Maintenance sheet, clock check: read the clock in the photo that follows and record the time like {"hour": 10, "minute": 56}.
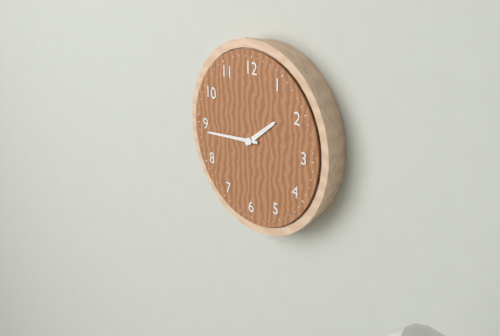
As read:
{"hour": 1, "minute": 44}
